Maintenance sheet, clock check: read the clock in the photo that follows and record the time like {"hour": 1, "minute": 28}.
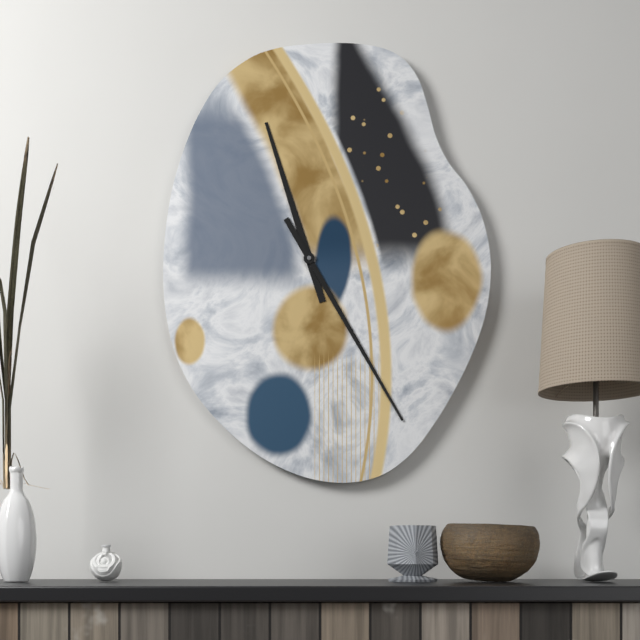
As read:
{"hour": 11, "minute": 25}
